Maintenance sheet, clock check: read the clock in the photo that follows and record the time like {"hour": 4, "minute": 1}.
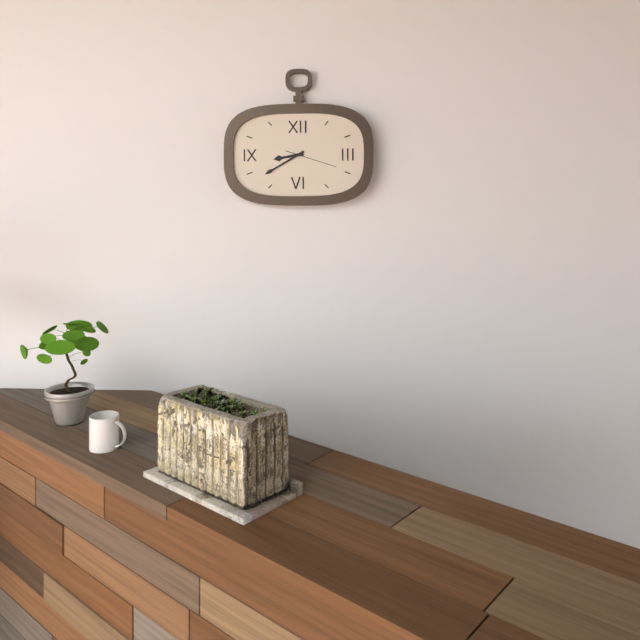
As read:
{"hour": 8, "minute": 40}
